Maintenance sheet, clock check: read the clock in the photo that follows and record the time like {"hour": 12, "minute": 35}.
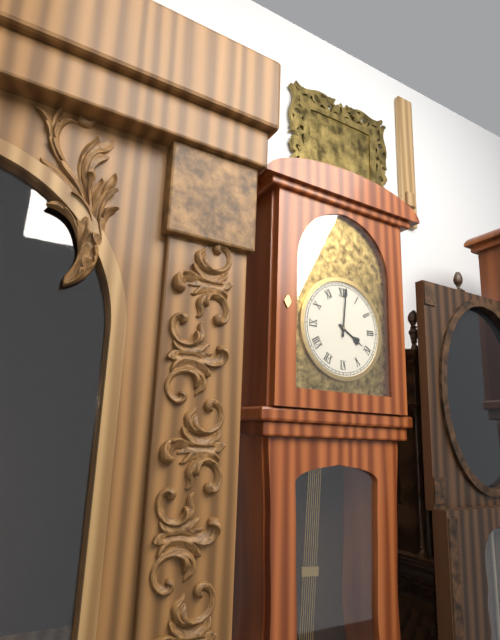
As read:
{"hour": 4, "minute": 1}
